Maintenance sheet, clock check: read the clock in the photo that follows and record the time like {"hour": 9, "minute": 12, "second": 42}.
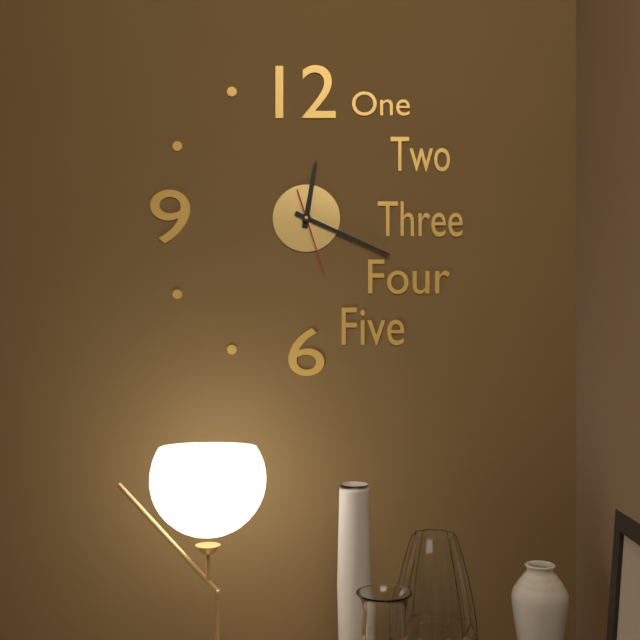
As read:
{"hour": 12, "minute": 19, "second": 27}
